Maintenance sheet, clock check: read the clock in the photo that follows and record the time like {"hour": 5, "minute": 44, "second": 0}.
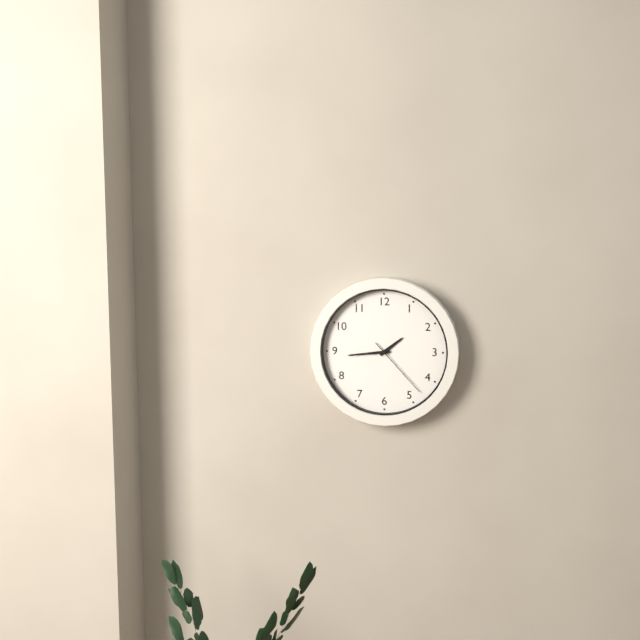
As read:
{"hour": 1, "minute": 44, "second": 23}
